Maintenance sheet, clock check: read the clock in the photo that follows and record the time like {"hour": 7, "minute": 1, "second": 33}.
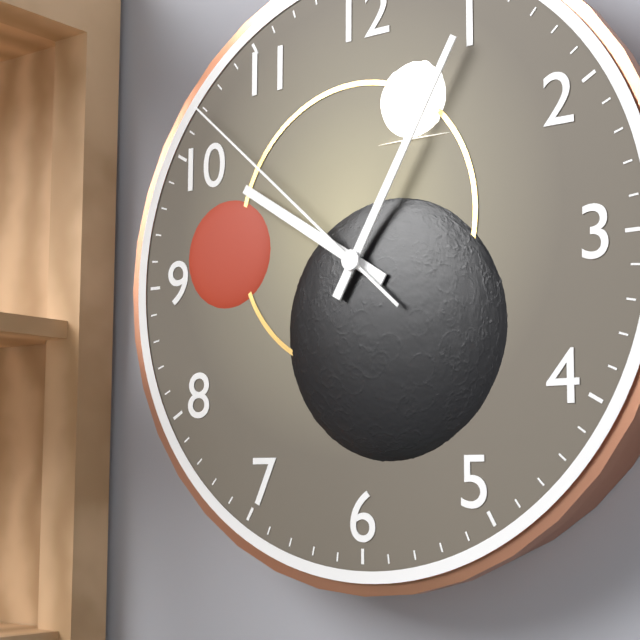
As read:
{"hour": 10, "minute": 5, "second": 52}
